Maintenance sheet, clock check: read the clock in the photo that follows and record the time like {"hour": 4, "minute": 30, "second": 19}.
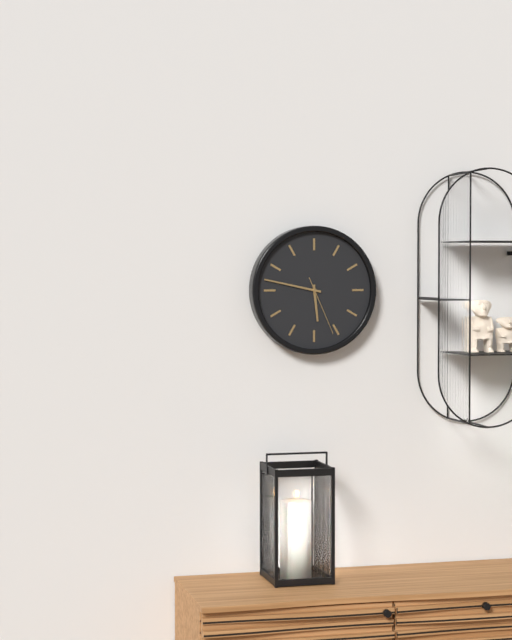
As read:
{"hour": 5, "minute": 47, "second": 26}
